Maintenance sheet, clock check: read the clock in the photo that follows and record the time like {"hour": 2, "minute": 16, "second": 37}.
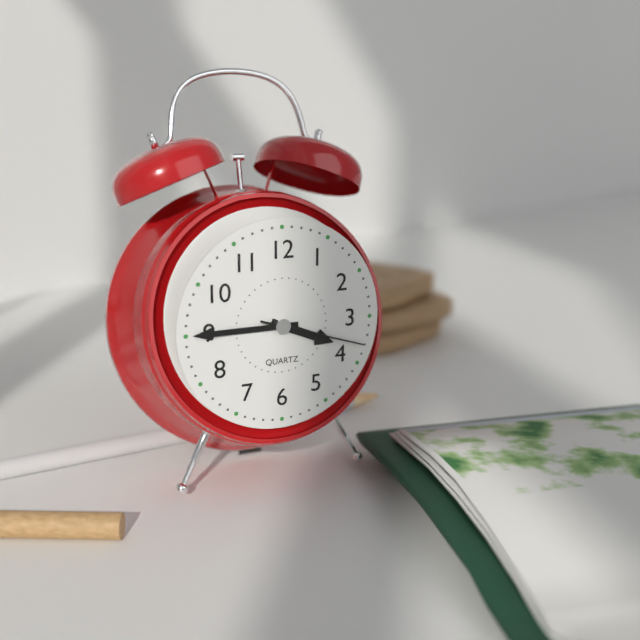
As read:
{"hour": 3, "minute": 45, "second": 18}
